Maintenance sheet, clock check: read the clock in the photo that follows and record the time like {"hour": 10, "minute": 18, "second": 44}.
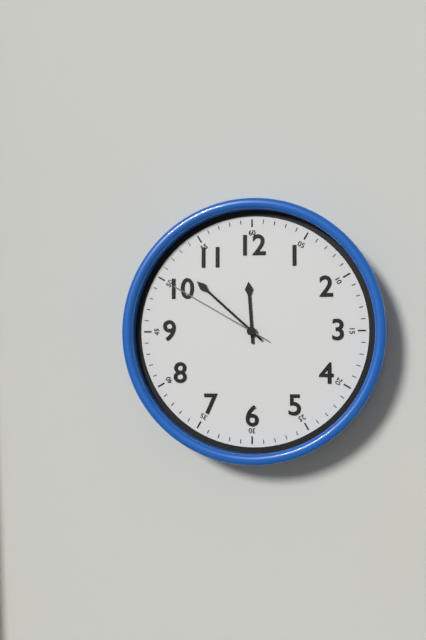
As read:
{"hour": 11, "minute": 52, "second": 50}
